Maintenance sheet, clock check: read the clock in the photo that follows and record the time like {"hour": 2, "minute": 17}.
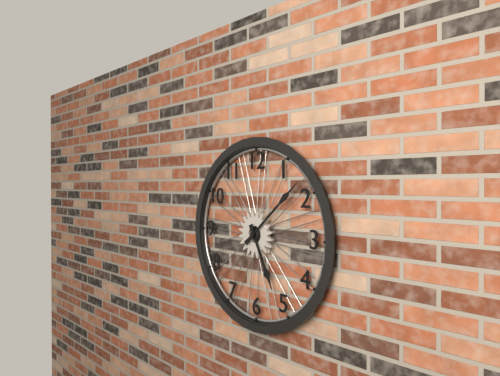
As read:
{"hour": 5, "minute": 8}
